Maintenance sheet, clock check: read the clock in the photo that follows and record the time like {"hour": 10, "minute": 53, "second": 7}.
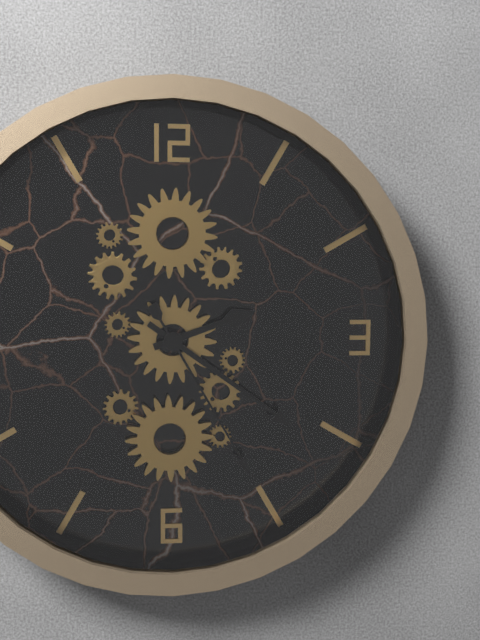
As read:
{"hour": 2, "minute": 21, "second": 25}
